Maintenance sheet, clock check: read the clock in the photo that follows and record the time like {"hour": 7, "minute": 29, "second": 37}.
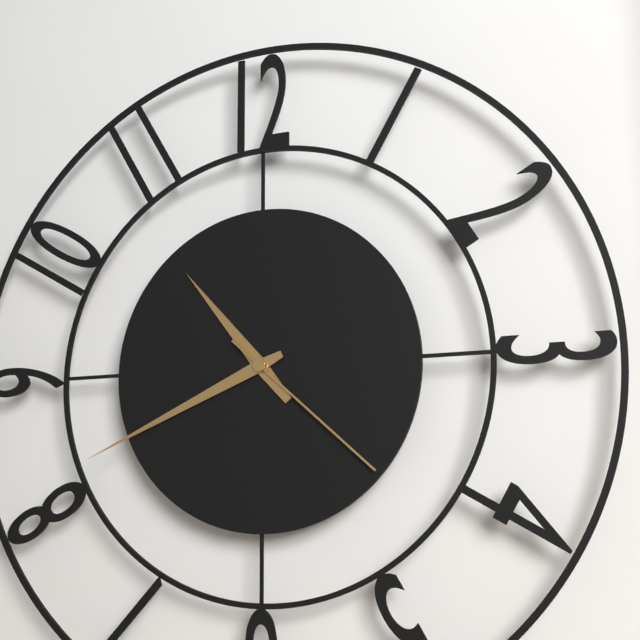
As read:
{"hour": 10, "minute": 41, "second": 22}
